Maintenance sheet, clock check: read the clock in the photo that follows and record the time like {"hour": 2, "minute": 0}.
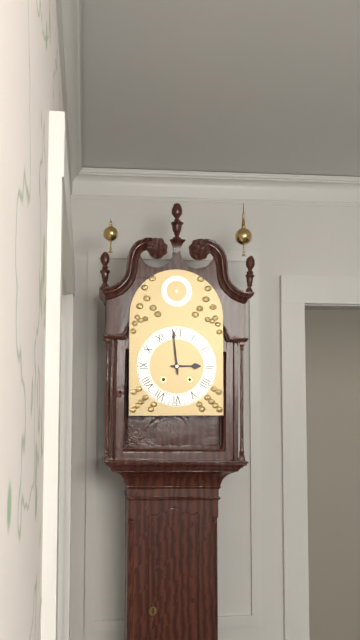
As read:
{"hour": 2, "minute": 59}
